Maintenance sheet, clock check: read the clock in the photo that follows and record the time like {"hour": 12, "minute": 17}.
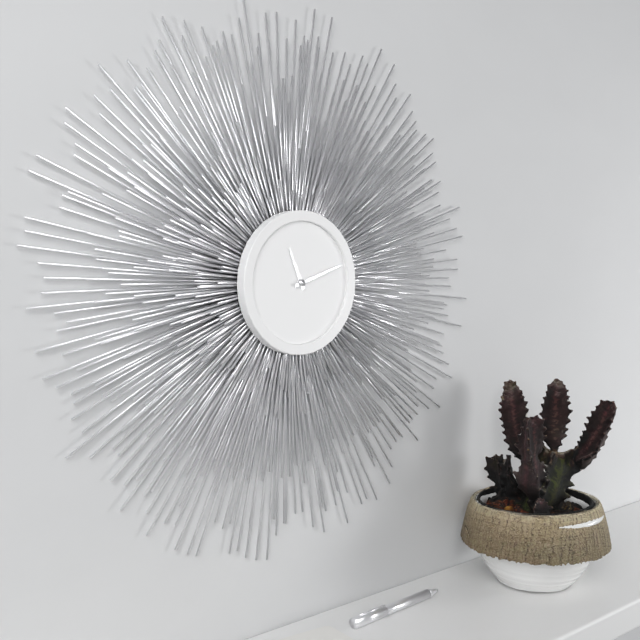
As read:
{"hour": 11, "minute": 12}
